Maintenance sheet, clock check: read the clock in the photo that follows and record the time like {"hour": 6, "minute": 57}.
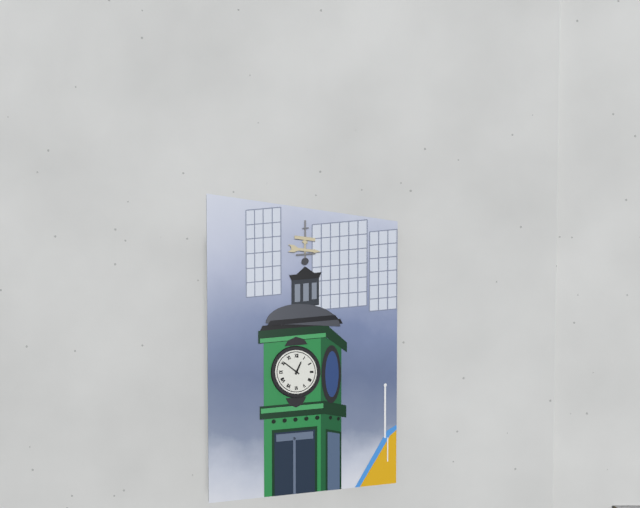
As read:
{"hour": 12, "minute": 51}
